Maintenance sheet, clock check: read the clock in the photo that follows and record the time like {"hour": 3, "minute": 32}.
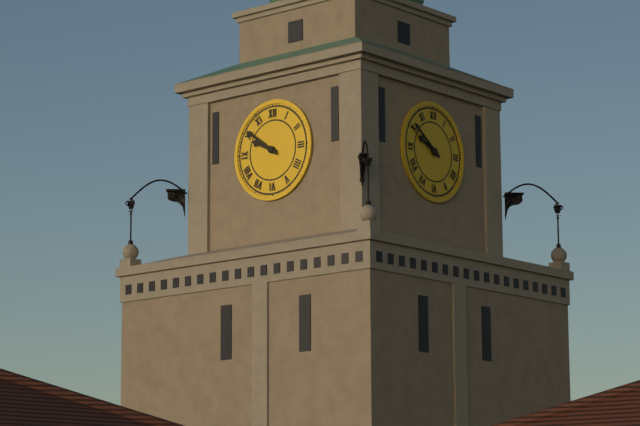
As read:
{"hour": 9, "minute": 51}
